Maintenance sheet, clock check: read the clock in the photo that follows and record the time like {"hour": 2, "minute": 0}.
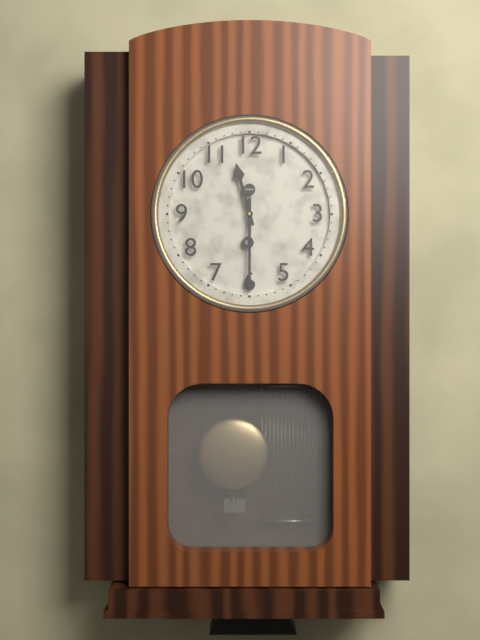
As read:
{"hour": 11, "minute": 30}
